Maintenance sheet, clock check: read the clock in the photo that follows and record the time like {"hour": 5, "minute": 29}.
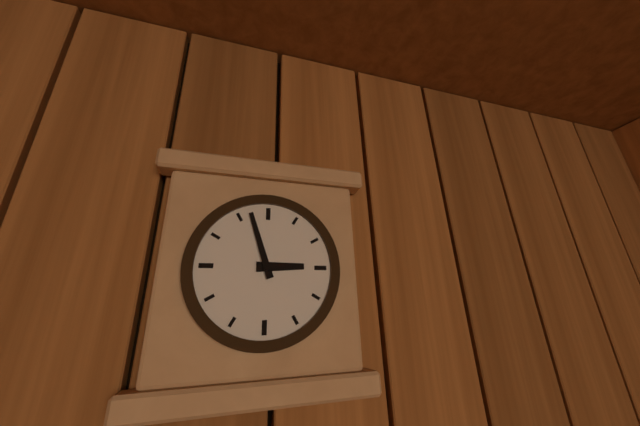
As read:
{"hour": 2, "minute": 57}
